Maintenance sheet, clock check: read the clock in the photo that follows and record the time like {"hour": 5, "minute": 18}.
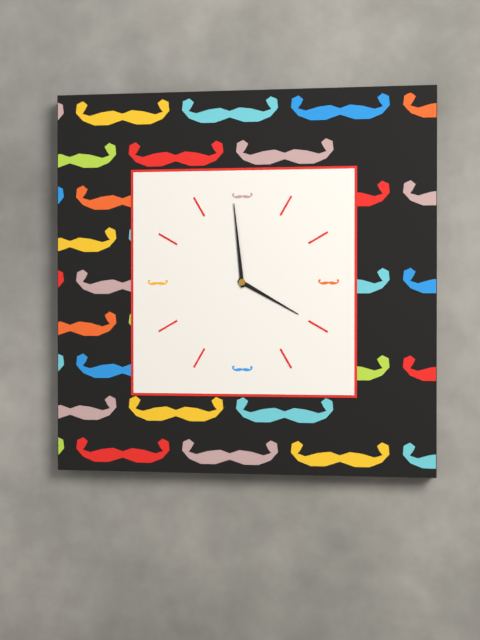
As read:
{"hour": 3, "minute": 59}
